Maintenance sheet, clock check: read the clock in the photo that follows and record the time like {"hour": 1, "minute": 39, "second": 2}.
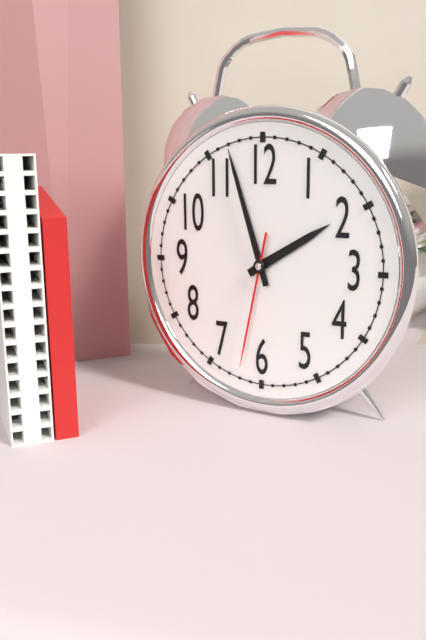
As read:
{"hour": 1, "minute": 57, "second": 32}
